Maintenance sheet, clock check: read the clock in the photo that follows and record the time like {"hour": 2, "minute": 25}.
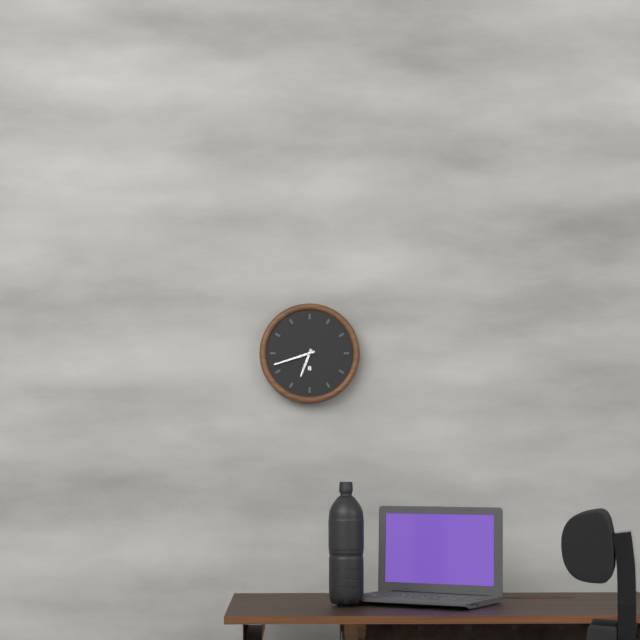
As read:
{"hour": 6, "minute": 42}
